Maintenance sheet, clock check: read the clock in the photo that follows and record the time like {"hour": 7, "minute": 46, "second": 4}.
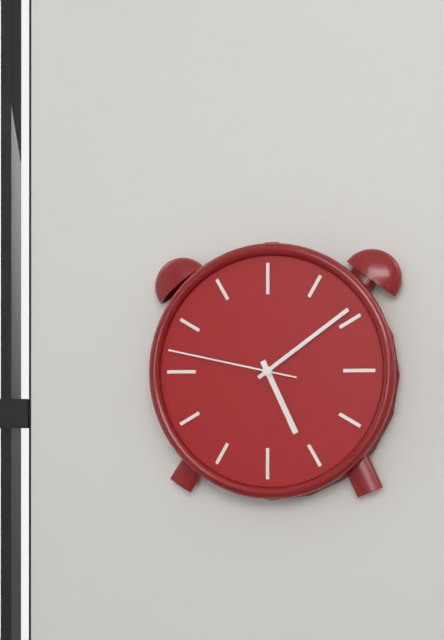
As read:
{"hour": 5, "minute": 9, "second": 47}
